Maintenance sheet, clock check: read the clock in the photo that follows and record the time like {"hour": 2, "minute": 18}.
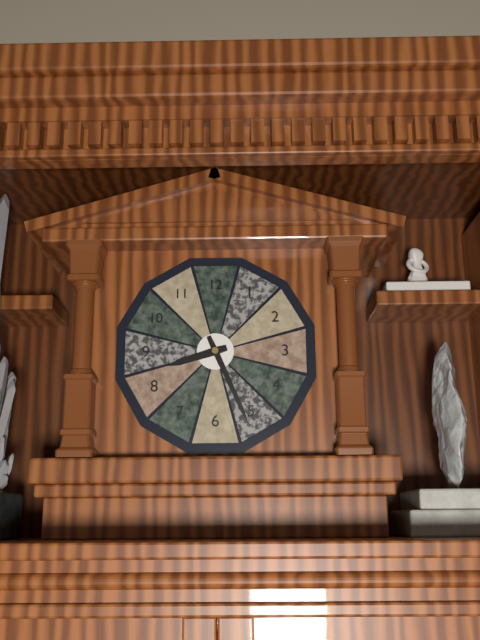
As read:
{"hour": 8, "minute": 26}
